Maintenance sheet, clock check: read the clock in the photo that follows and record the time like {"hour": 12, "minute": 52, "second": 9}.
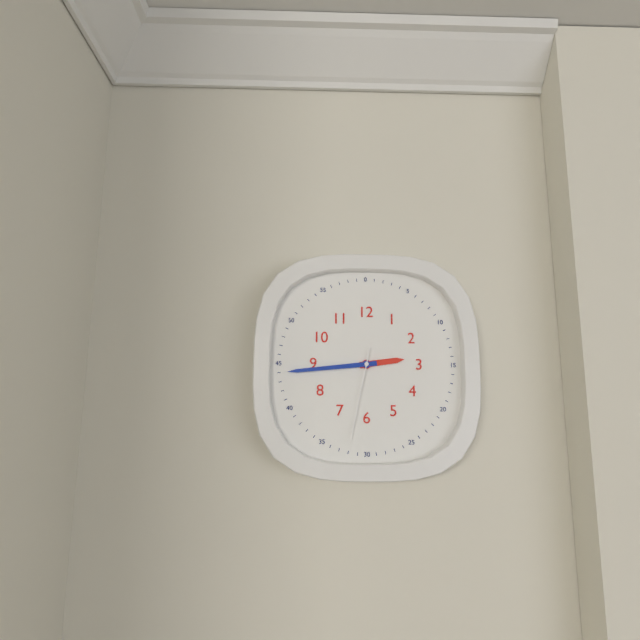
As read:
{"hour": 2, "minute": 44, "second": 32}
